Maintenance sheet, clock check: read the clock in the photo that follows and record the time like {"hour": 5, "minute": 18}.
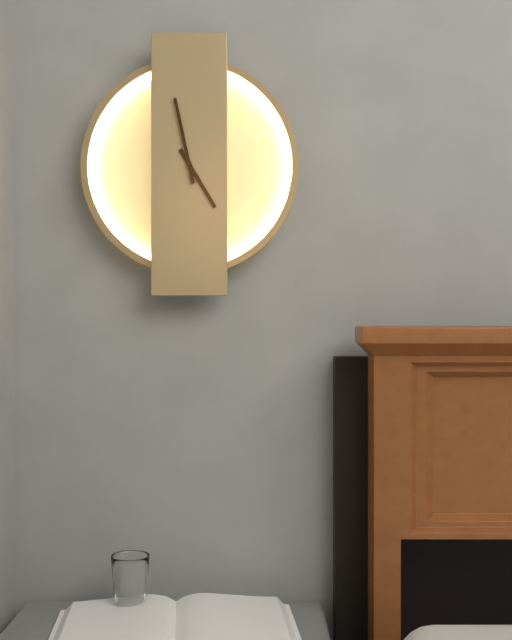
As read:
{"hour": 4, "minute": 58}
